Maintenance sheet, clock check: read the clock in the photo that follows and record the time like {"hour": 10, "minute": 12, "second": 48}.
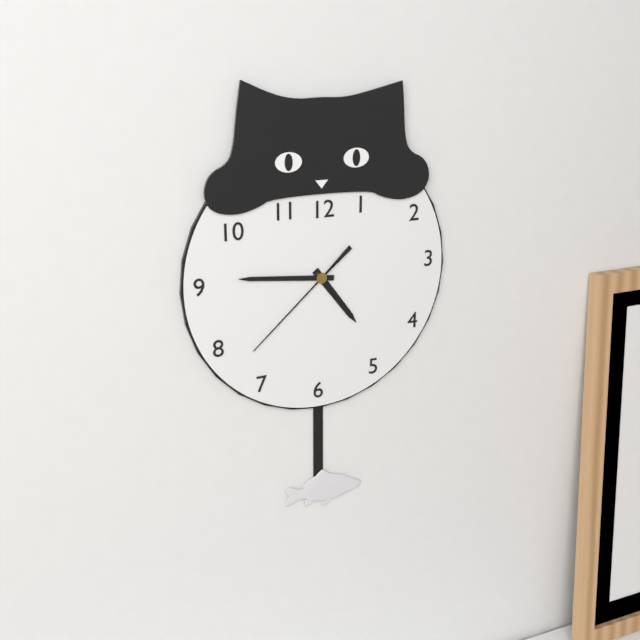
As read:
{"hour": 4, "minute": 46, "second": 38}
